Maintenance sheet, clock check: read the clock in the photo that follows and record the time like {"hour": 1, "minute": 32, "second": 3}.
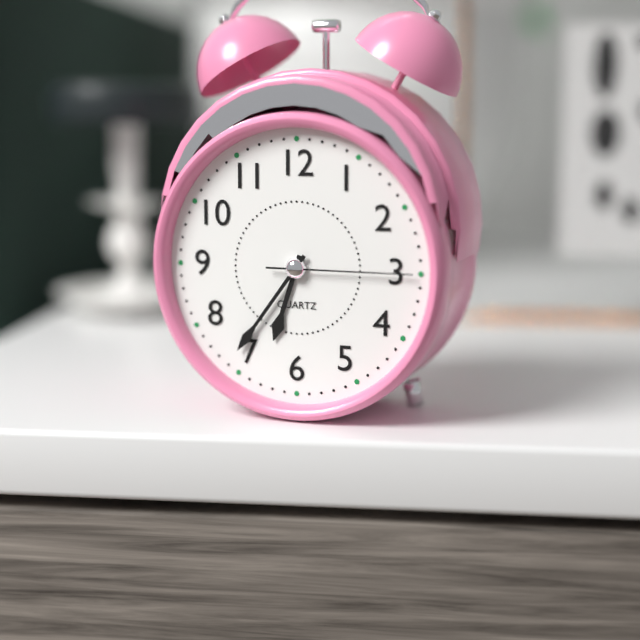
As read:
{"hour": 6, "minute": 36, "second": 15}
